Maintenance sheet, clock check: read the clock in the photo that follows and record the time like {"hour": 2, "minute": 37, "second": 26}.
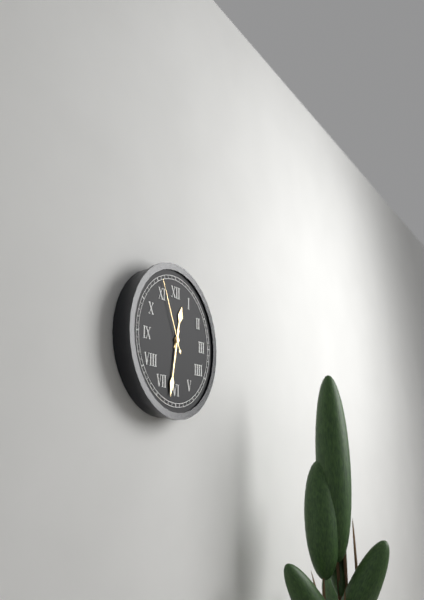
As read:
{"hour": 12, "minute": 32, "second": 56}
